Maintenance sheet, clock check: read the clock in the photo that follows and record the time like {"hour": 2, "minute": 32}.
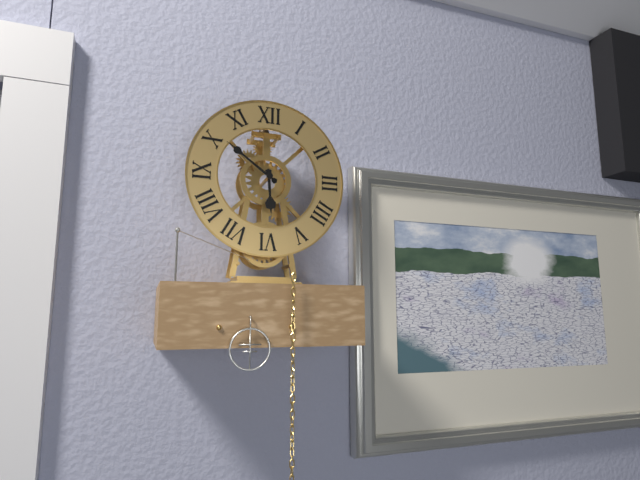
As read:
{"hour": 5, "minute": 51}
